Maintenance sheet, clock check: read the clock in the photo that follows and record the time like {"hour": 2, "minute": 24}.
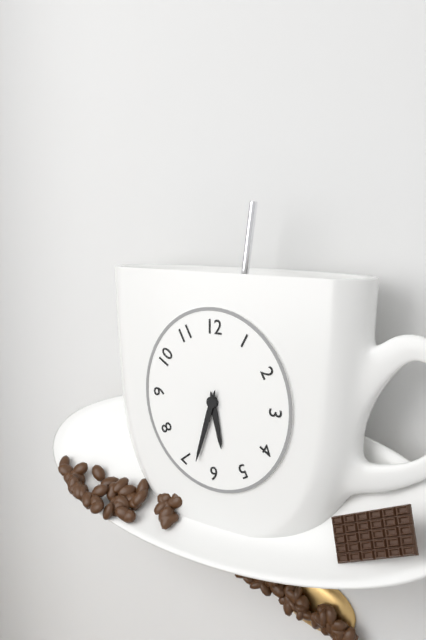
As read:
{"hour": 5, "minute": 33}
